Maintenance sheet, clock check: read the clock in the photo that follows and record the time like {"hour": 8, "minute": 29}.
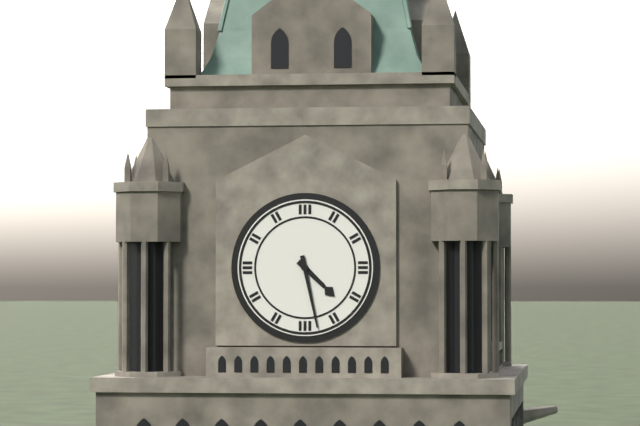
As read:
{"hour": 4, "minute": 28}
